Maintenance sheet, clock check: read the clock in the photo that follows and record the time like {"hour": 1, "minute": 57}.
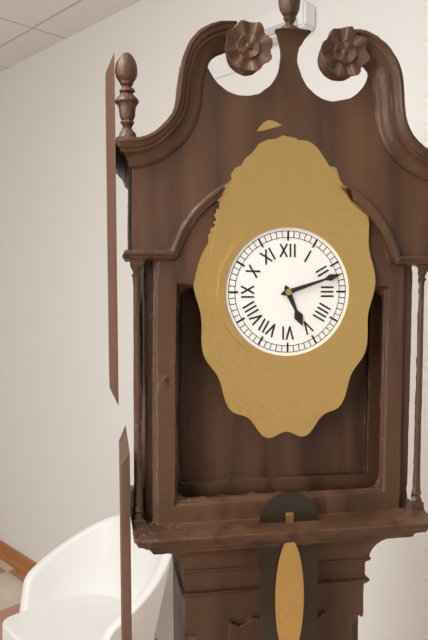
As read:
{"hour": 5, "minute": 12}
